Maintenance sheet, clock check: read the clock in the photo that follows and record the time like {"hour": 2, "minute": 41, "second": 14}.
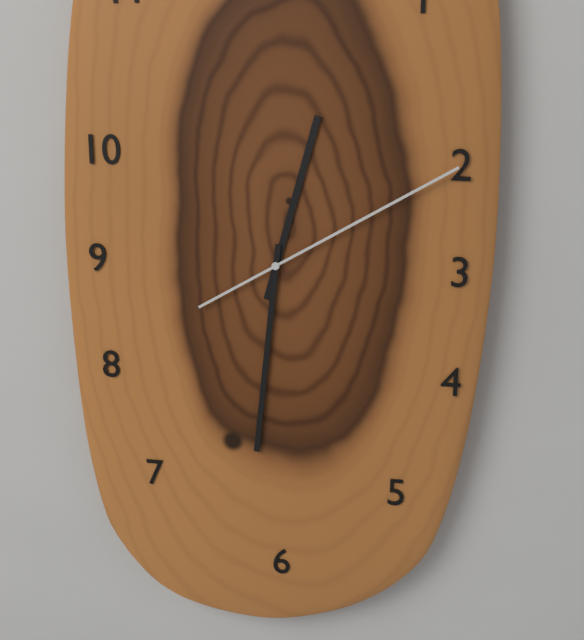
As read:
{"hour": 12, "minute": 31, "second": 10}
